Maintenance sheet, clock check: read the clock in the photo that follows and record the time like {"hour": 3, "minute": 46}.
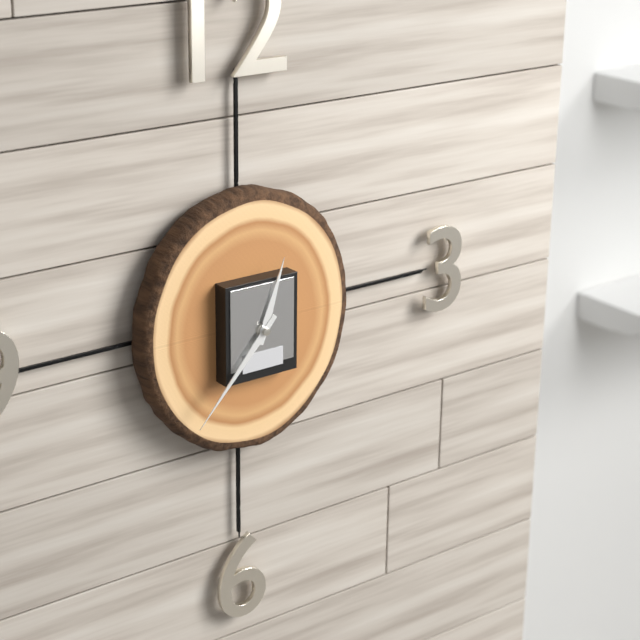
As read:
{"hour": 12, "minute": 37}
